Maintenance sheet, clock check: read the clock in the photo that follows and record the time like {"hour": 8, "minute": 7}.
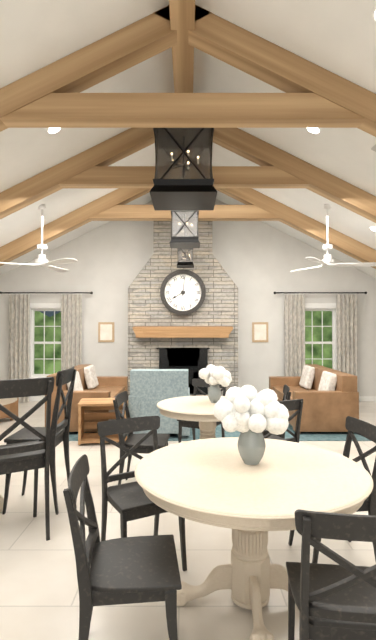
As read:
{"hour": 8, "minute": 1}
